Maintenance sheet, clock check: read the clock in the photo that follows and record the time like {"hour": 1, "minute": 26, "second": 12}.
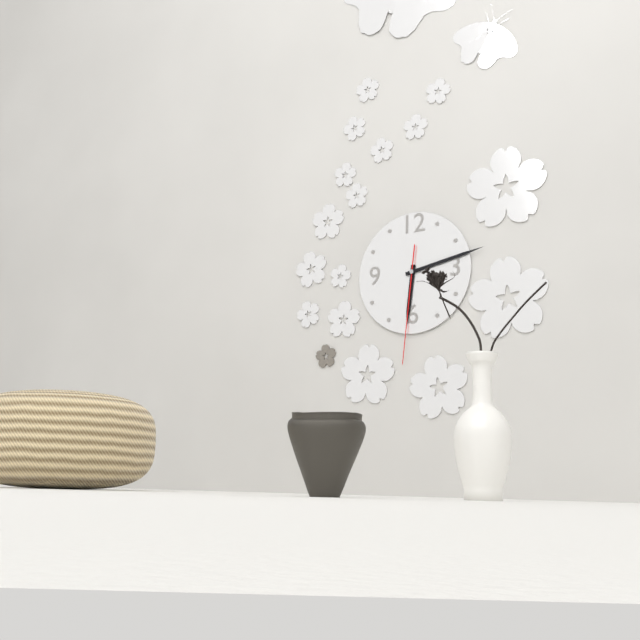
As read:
{"hour": 6, "minute": 13, "second": 31}
